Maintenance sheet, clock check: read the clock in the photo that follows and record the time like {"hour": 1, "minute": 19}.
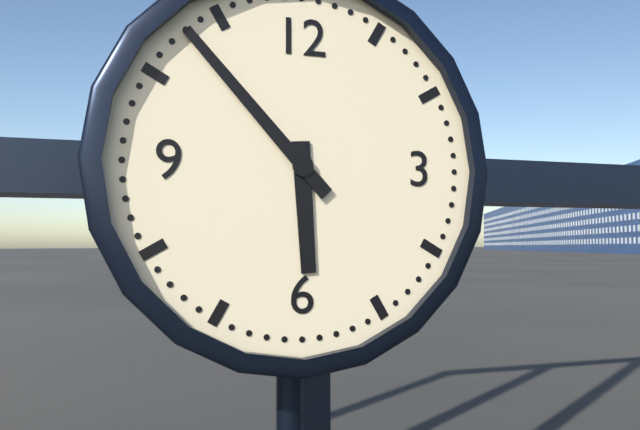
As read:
{"hour": 5, "minute": 53}
